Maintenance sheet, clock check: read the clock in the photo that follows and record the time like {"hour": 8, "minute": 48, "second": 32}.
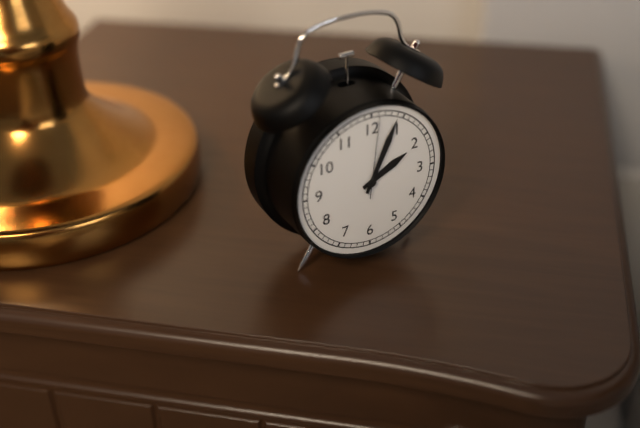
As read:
{"hour": 2, "minute": 4, "second": 1}
